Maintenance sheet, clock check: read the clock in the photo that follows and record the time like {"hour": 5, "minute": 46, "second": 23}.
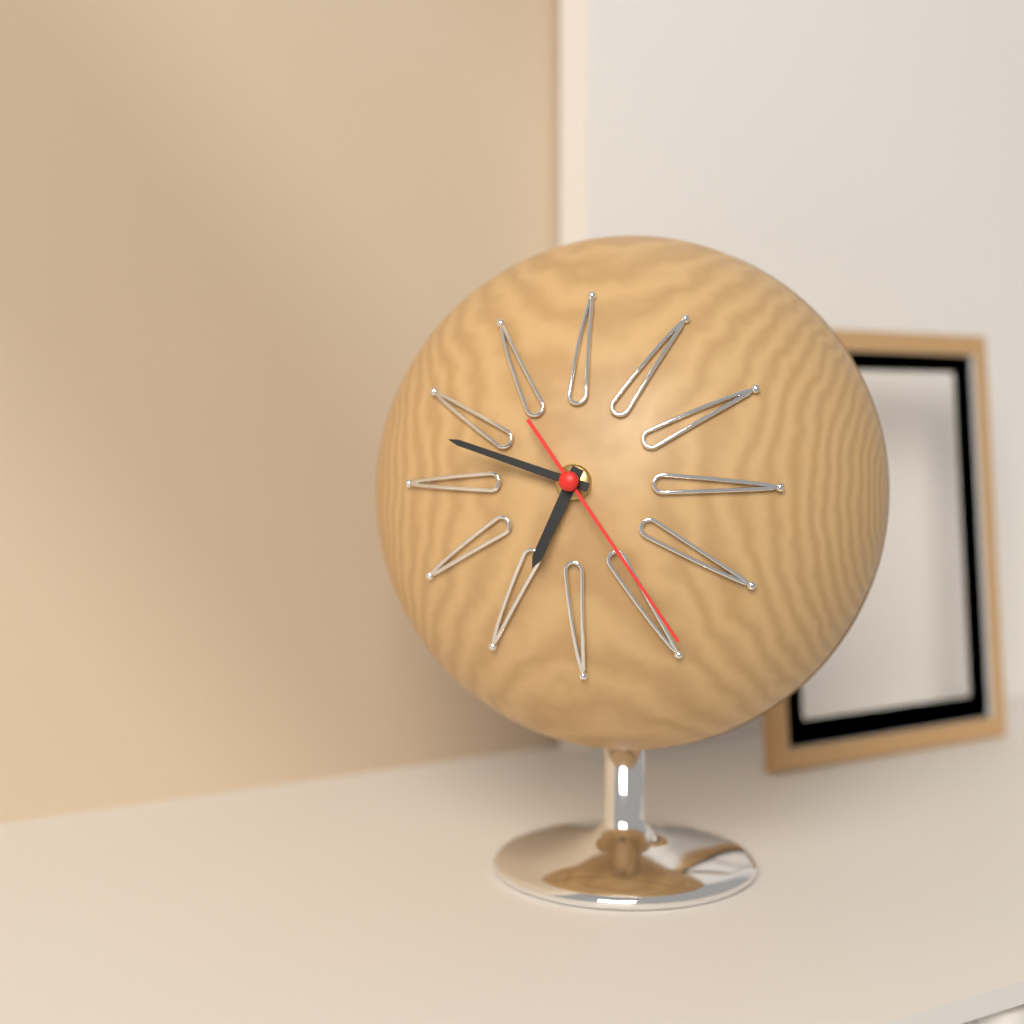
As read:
{"hour": 6, "minute": 48, "second": 24}
